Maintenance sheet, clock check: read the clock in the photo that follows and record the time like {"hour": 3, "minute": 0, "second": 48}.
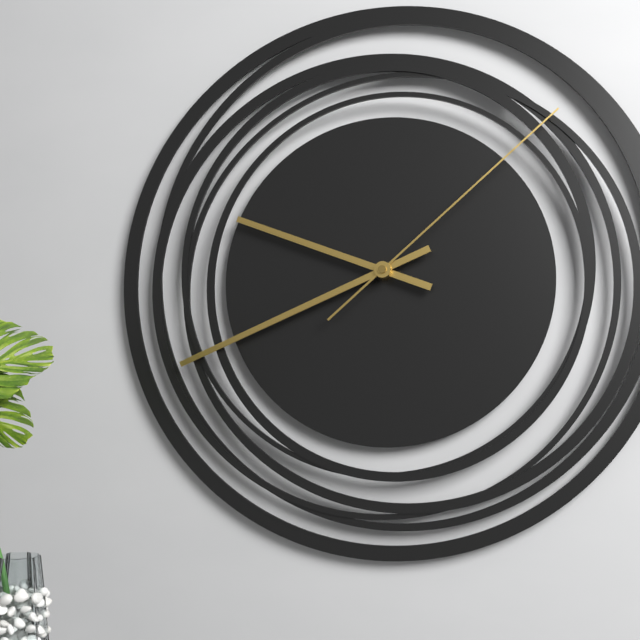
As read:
{"hour": 9, "minute": 41, "second": 8}
